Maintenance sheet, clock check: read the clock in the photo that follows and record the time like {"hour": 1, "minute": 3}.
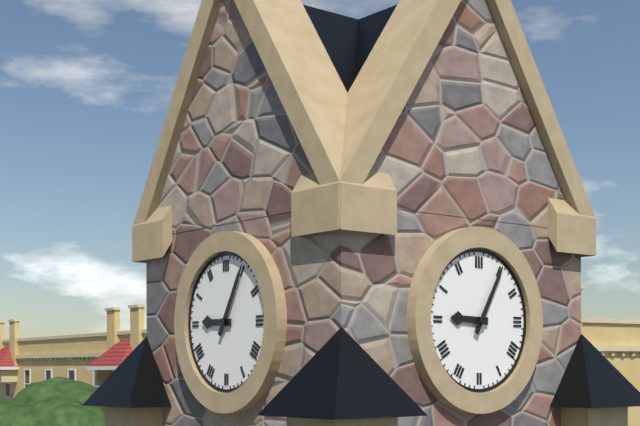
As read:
{"hour": 9, "minute": 5}
